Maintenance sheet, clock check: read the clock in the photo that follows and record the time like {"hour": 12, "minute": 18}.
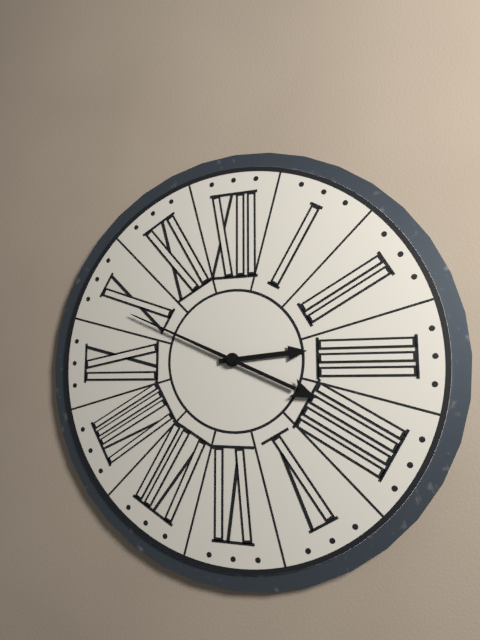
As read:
{"hour": 2, "minute": 49}
